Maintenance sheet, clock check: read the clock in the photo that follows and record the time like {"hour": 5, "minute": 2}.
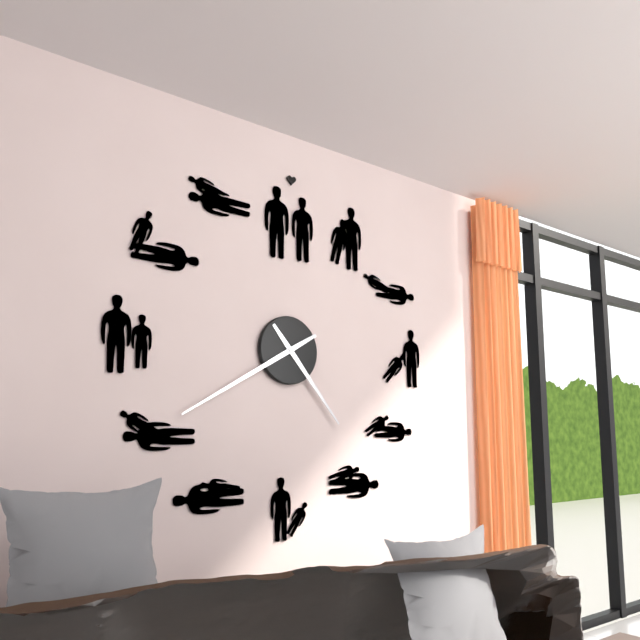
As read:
{"hour": 4, "minute": 40}
